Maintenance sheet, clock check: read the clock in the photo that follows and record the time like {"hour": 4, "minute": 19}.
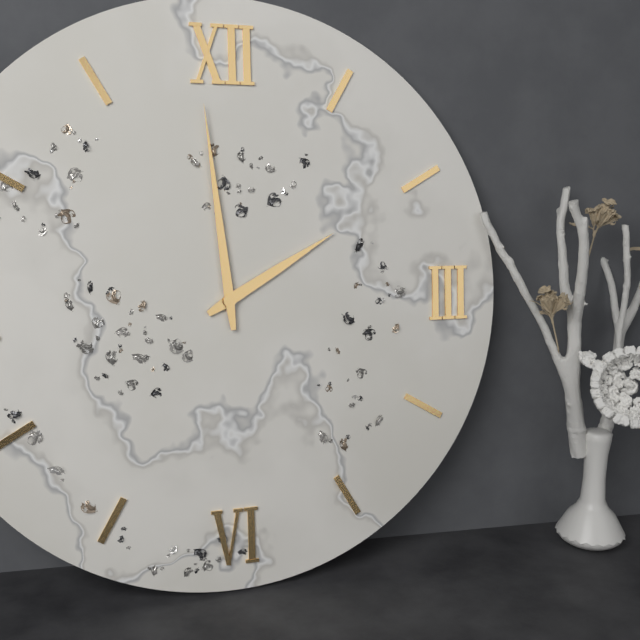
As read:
{"hour": 1, "minute": 59}
